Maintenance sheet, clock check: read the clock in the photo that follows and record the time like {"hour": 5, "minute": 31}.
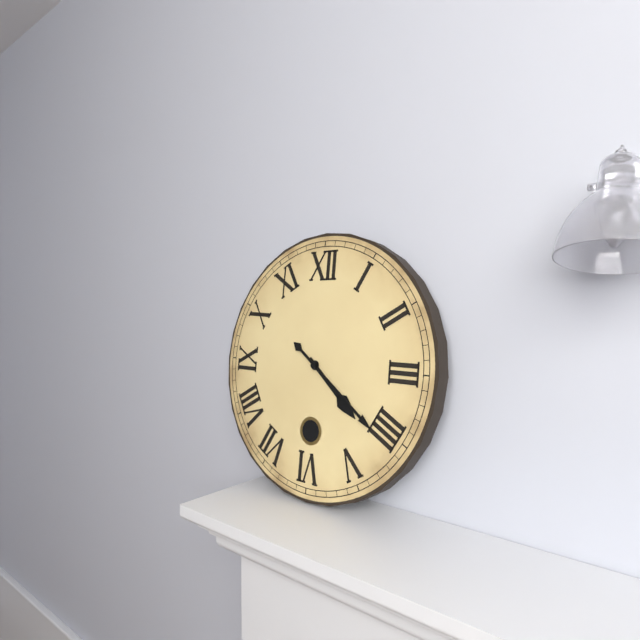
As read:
{"hour": 4, "minute": 21}
